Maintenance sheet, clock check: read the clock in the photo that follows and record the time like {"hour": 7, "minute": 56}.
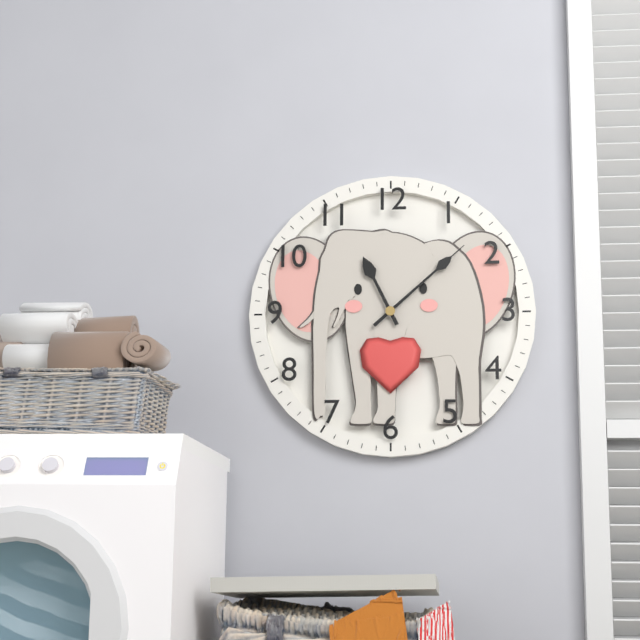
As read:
{"hour": 11, "minute": 8}
